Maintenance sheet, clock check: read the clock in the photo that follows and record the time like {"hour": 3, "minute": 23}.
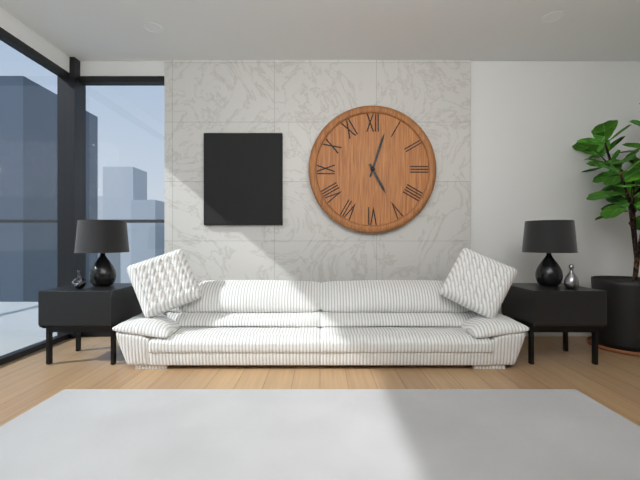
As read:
{"hour": 5, "minute": 3}
